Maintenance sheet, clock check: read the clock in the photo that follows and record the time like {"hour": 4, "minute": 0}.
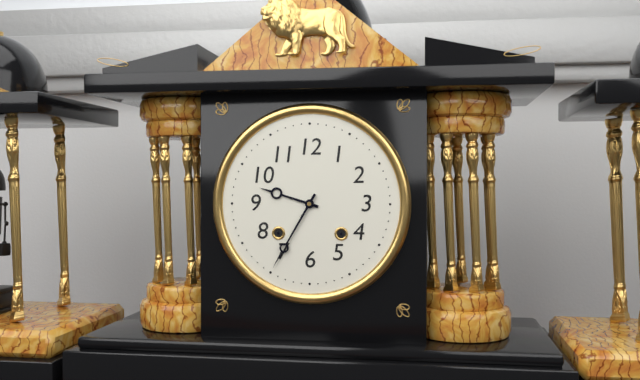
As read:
{"hour": 9, "minute": 35}
